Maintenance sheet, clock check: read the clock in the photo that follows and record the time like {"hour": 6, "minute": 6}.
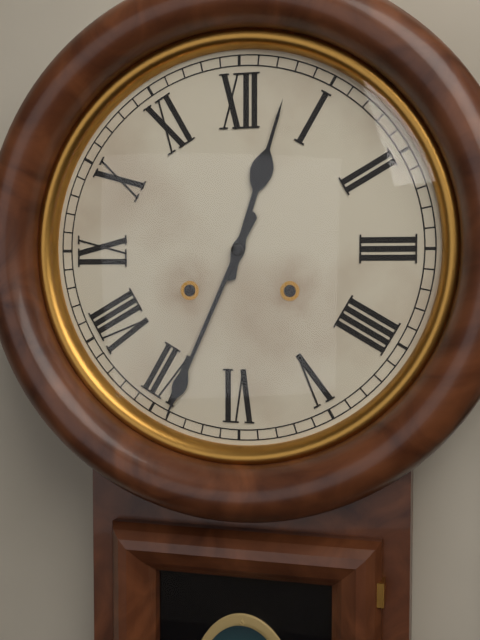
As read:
{"hour": 12, "minute": 34}
